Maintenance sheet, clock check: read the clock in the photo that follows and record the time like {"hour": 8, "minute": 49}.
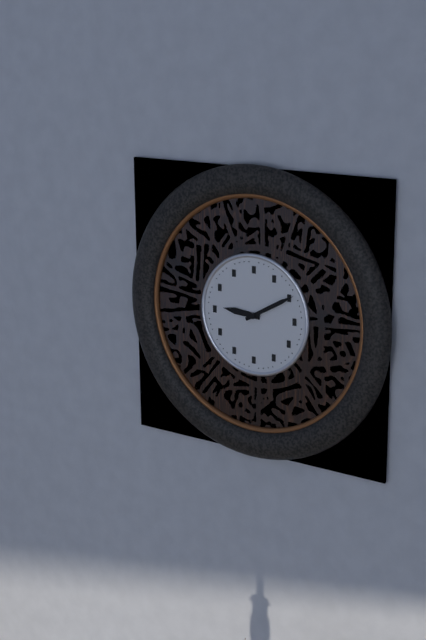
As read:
{"hour": 9, "minute": 10}
